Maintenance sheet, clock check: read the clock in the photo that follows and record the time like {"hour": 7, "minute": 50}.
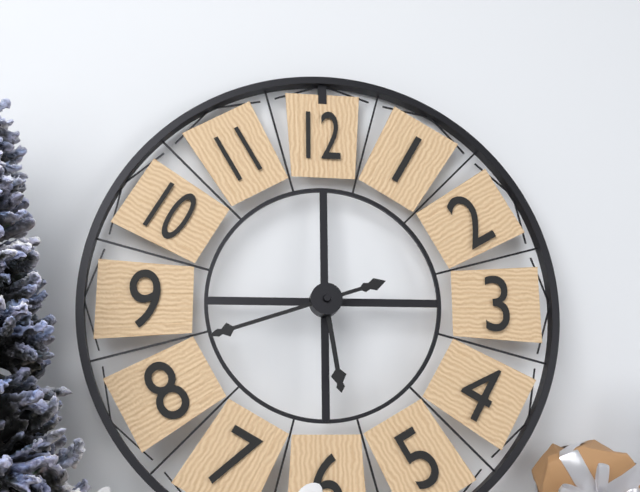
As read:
{"hour": 5, "minute": 42}
